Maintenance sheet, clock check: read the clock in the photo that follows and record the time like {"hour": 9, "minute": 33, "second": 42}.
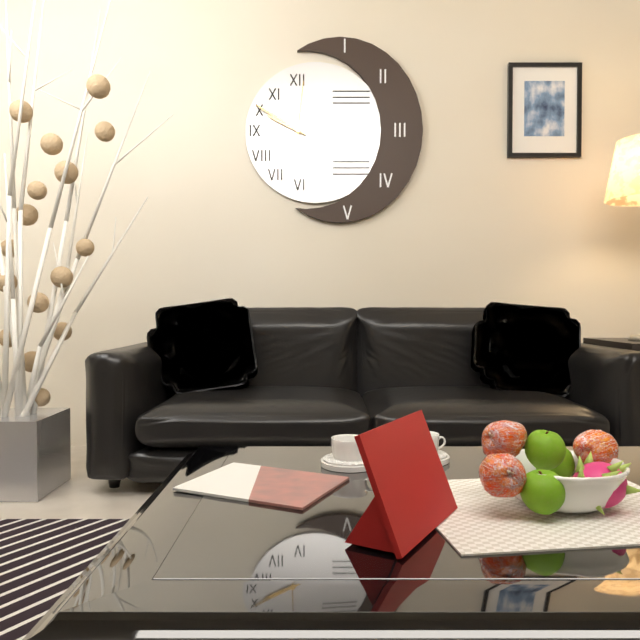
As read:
{"hour": 9, "minute": 50, "second": 1}
